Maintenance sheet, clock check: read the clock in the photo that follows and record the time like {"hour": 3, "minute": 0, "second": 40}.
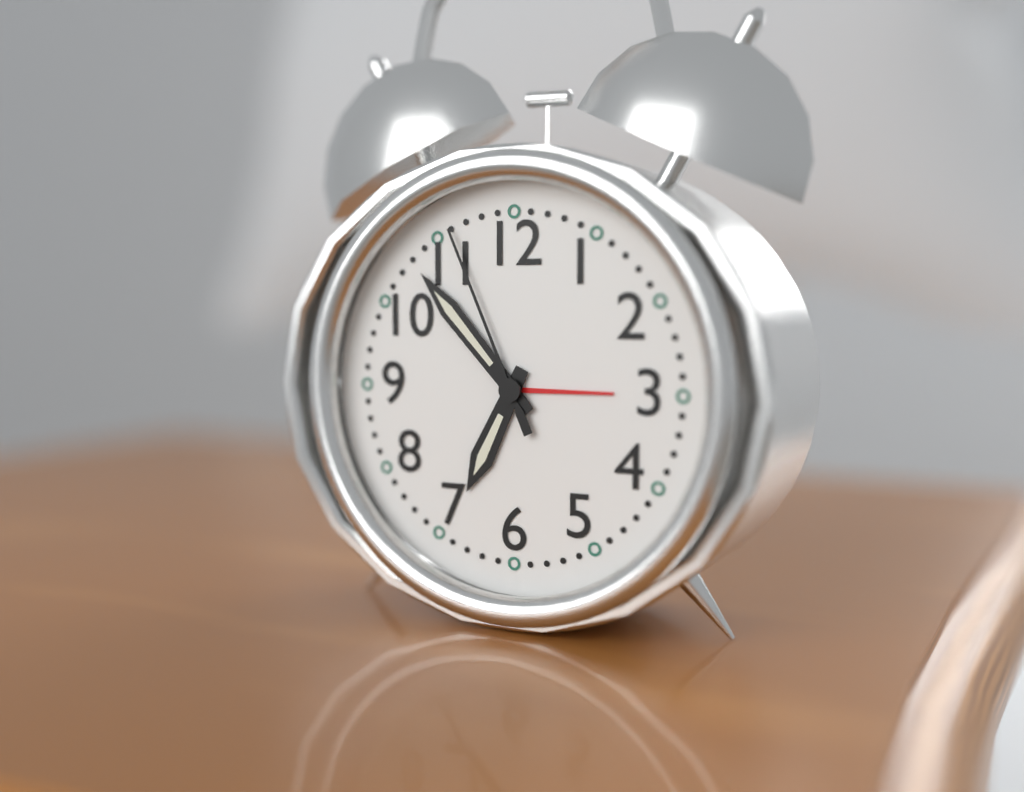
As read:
{"hour": 6, "minute": 53, "second": 56}
